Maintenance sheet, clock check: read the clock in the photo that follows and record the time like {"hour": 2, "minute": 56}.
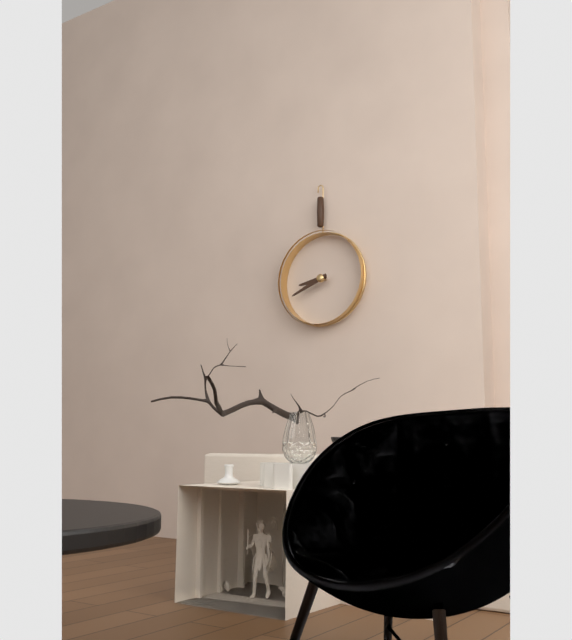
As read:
{"hour": 8, "minute": 41}
